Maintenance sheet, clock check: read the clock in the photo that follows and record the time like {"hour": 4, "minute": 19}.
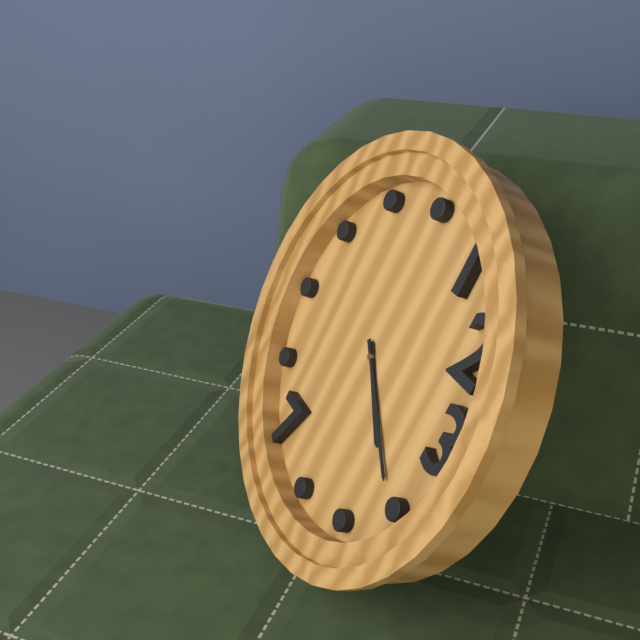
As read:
{"hour": 4, "minute": 21}
